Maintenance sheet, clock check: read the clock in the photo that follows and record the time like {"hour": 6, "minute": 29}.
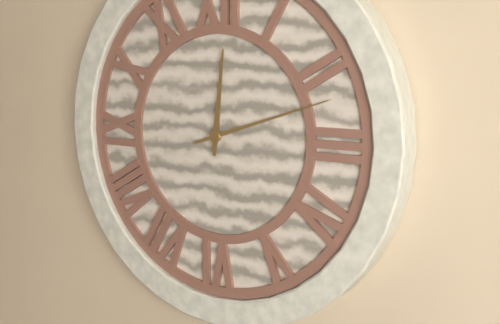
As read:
{"hour": 12, "minute": 12}
